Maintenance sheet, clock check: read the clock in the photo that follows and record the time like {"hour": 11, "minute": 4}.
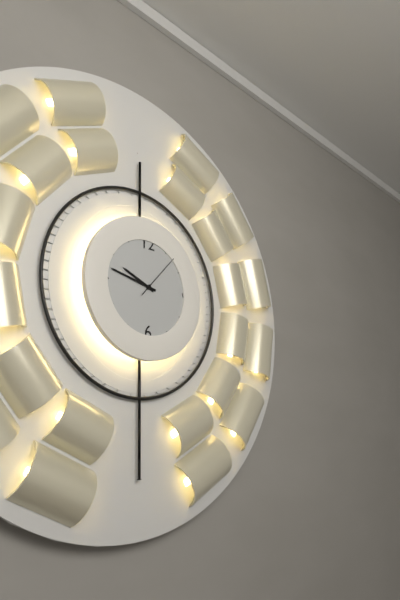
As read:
{"hour": 9, "minute": 47}
